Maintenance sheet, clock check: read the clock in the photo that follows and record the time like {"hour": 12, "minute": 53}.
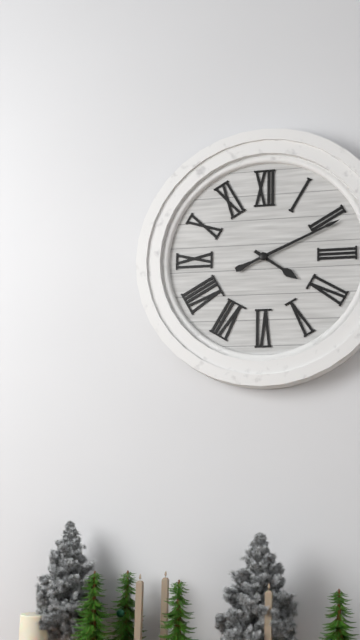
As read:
{"hour": 4, "minute": 11}
